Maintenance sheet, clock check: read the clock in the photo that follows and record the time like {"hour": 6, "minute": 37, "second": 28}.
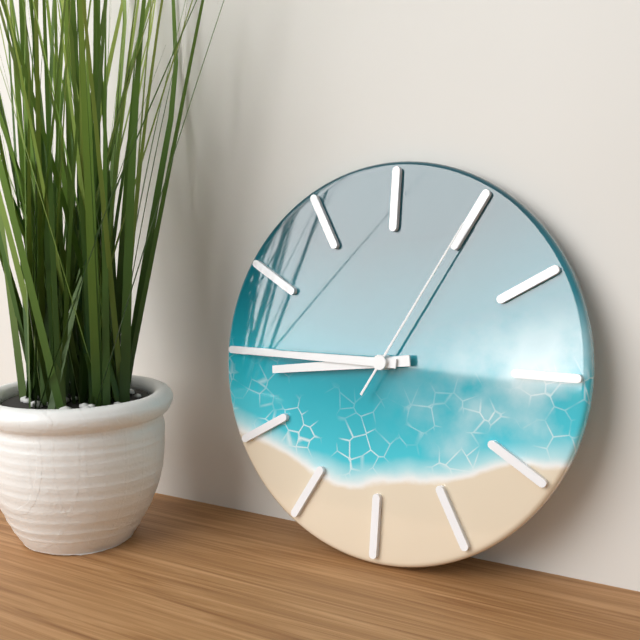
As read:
{"hour": 8, "minute": 45, "second": 5}
